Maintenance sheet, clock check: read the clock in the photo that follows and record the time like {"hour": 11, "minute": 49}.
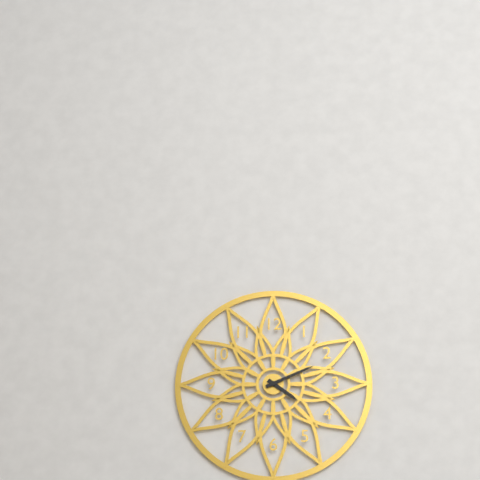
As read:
{"hour": 4, "minute": 11}
